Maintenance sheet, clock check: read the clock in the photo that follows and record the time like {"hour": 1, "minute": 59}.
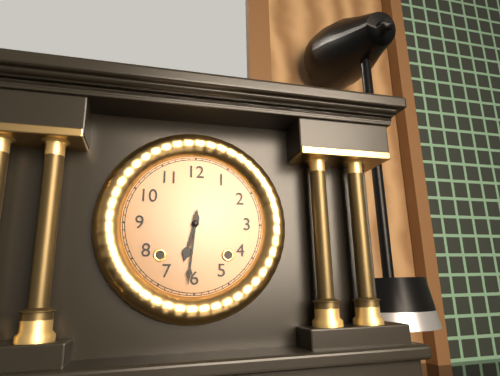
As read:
{"hour": 6, "minute": 31}
